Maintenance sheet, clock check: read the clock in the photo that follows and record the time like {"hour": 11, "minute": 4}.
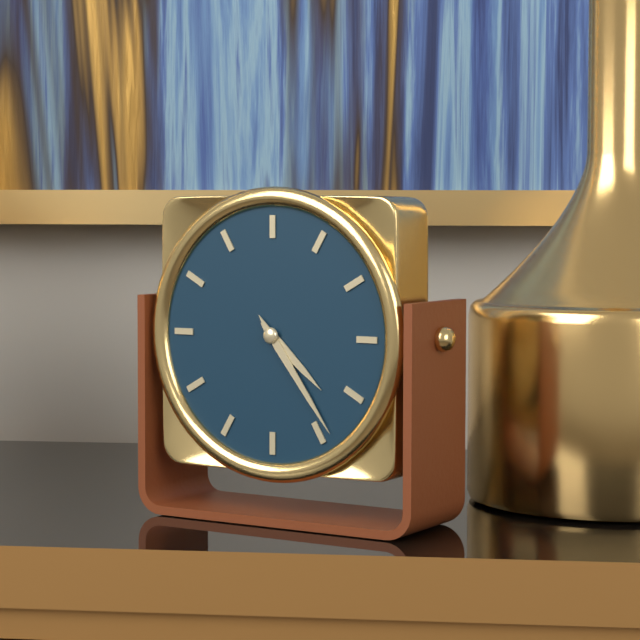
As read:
{"hour": 4, "minute": 24}
